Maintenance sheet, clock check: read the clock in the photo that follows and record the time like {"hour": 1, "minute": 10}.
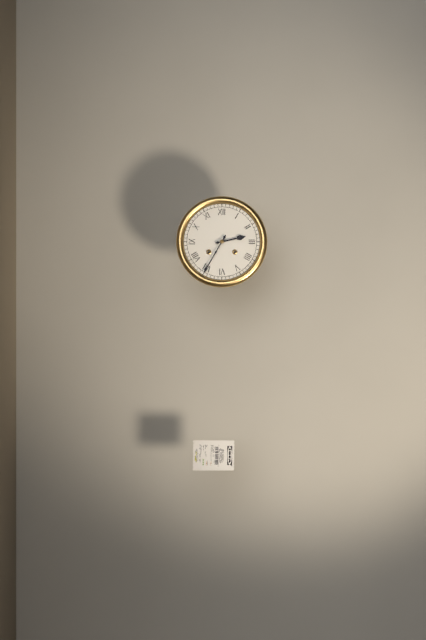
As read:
{"hour": 2, "minute": 35}
